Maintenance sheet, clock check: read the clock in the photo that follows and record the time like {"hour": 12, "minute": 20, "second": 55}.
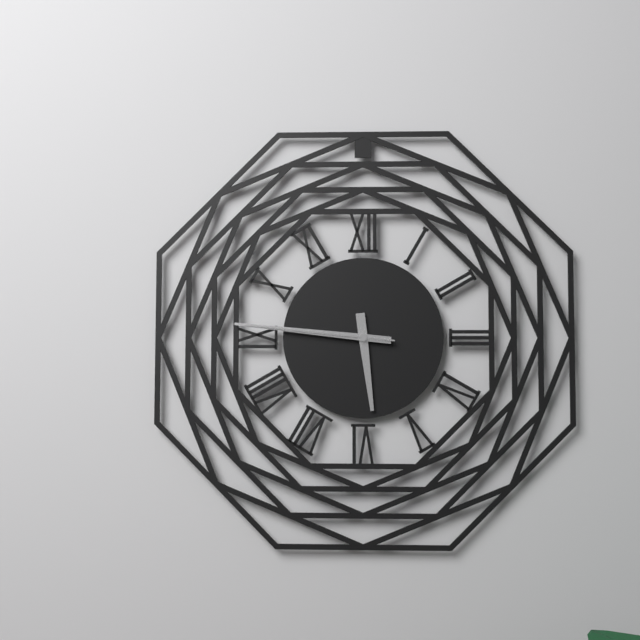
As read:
{"hour": 5, "minute": 46, "second": 46}
